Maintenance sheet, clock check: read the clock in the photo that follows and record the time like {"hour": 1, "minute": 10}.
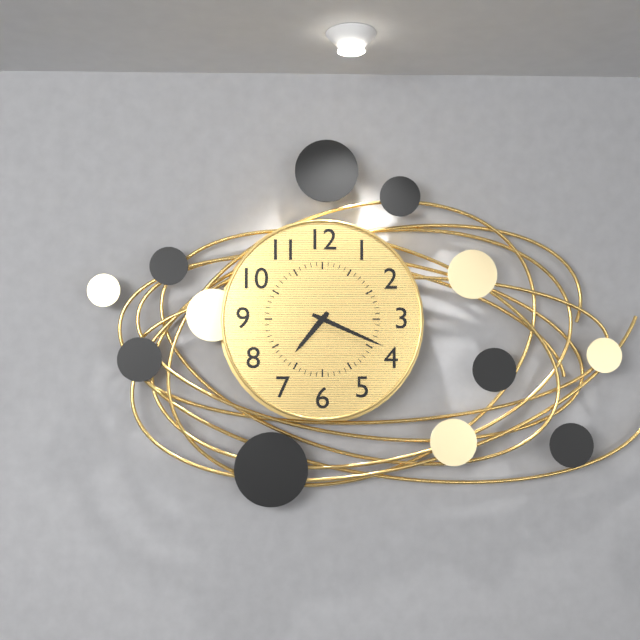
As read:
{"hour": 7, "minute": 19}
